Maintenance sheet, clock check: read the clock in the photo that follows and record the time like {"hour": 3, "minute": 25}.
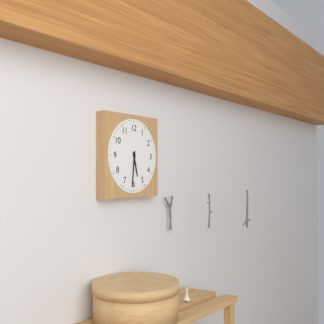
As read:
{"hour": 5, "minute": 31}
